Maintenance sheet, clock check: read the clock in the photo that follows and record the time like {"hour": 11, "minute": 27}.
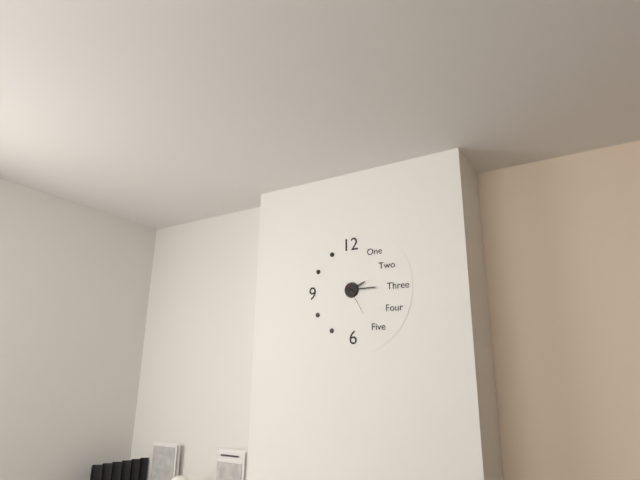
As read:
{"hour": 2, "minute": 15}
